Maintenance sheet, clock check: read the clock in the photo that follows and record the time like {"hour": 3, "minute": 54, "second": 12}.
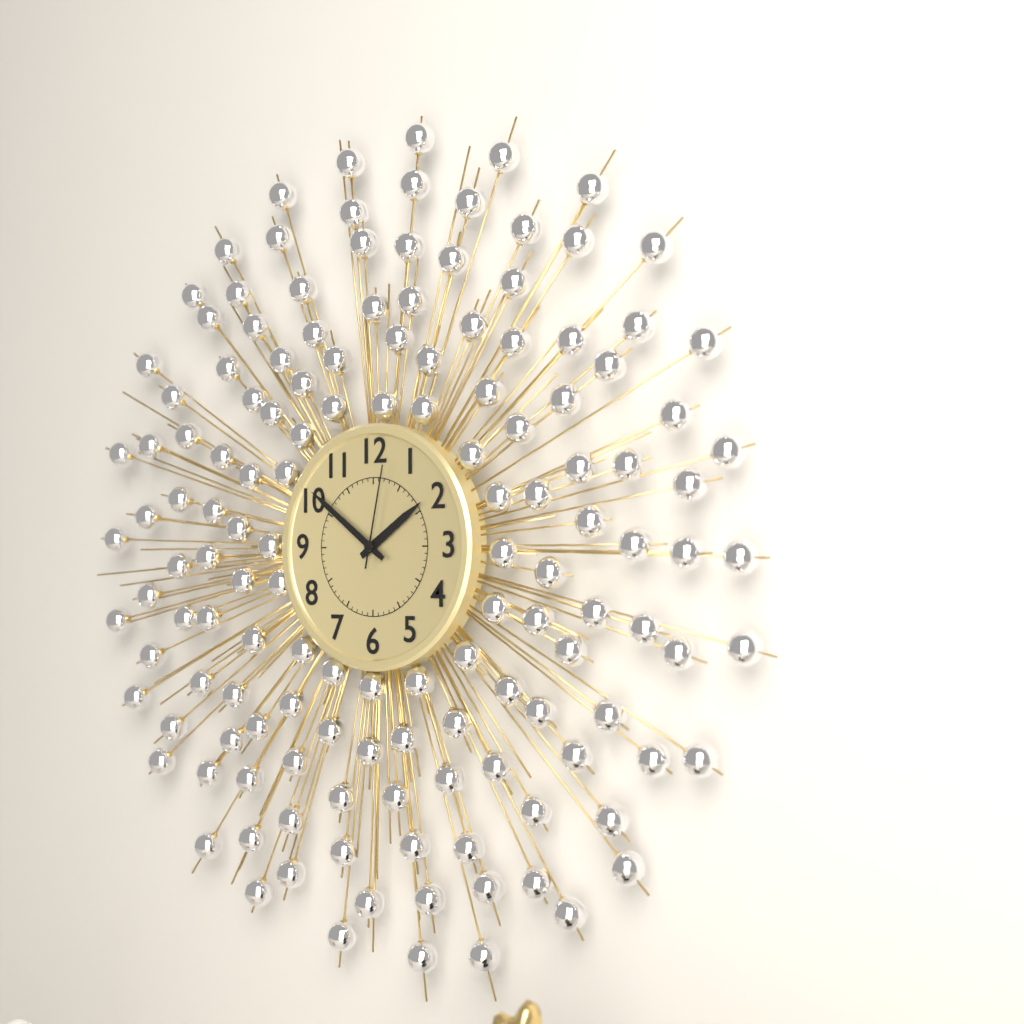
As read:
{"hour": 1, "minute": 51, "second": 2}
